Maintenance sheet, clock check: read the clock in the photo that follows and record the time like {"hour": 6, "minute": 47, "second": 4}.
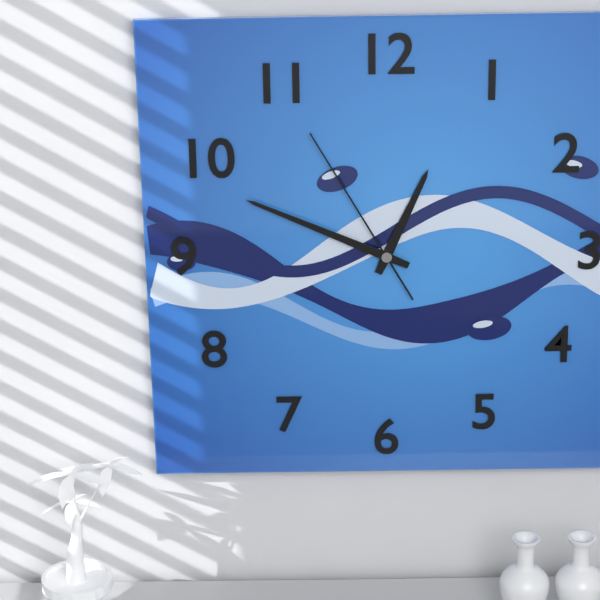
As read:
{"hour": 12, "minute": 49, "second": 55}
